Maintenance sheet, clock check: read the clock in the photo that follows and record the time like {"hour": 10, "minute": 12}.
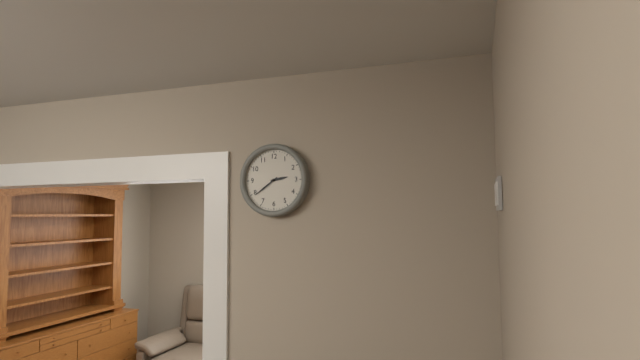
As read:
{"hour": 2, "minute": 39}
